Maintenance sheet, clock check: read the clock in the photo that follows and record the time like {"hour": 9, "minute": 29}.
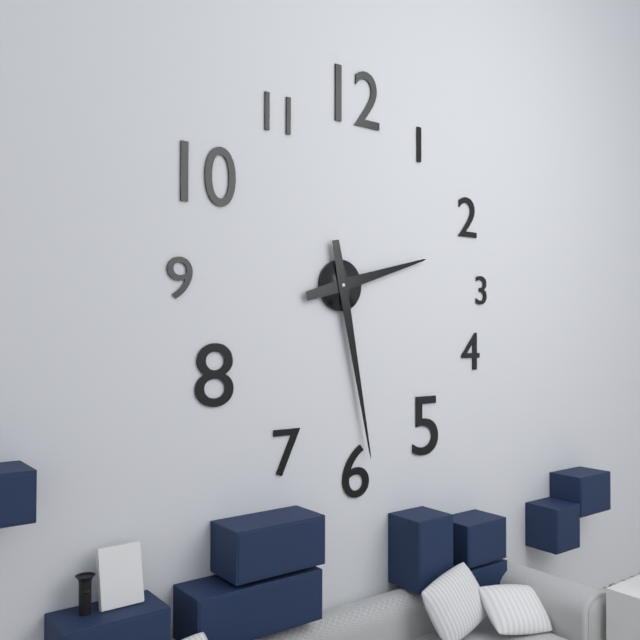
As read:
{"hour": 2, "minute": 28}
